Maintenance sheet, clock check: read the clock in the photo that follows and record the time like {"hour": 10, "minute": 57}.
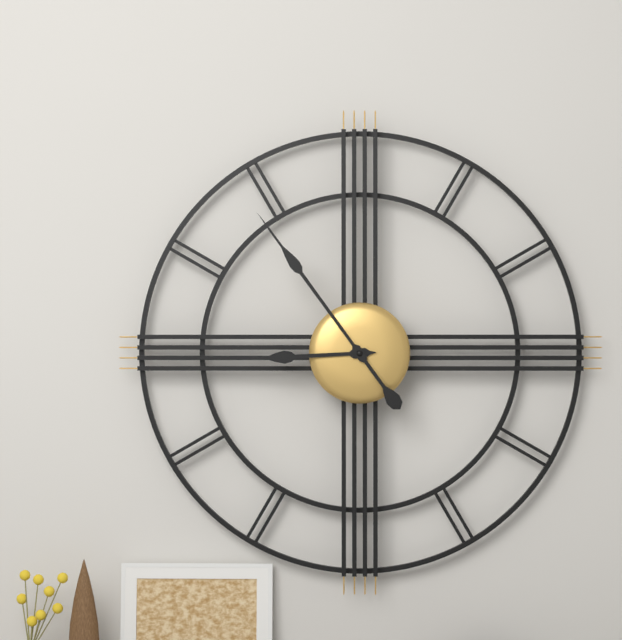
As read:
{"hour": 8, "minute": 54}
